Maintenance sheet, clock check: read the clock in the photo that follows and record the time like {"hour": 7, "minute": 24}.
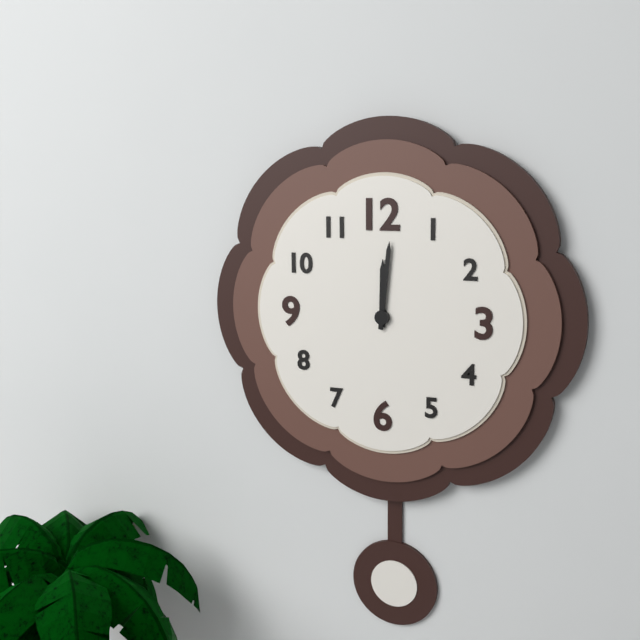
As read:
{"hour": 12, "minute": 1}
